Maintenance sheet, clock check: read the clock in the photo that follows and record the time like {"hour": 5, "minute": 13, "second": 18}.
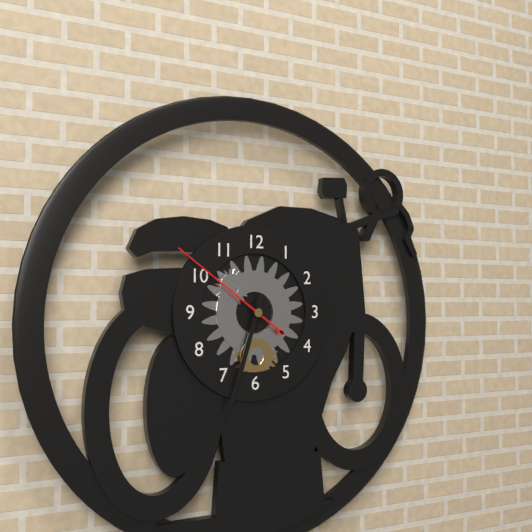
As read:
{"hour": 6, "minute": 33, "second": 51}
